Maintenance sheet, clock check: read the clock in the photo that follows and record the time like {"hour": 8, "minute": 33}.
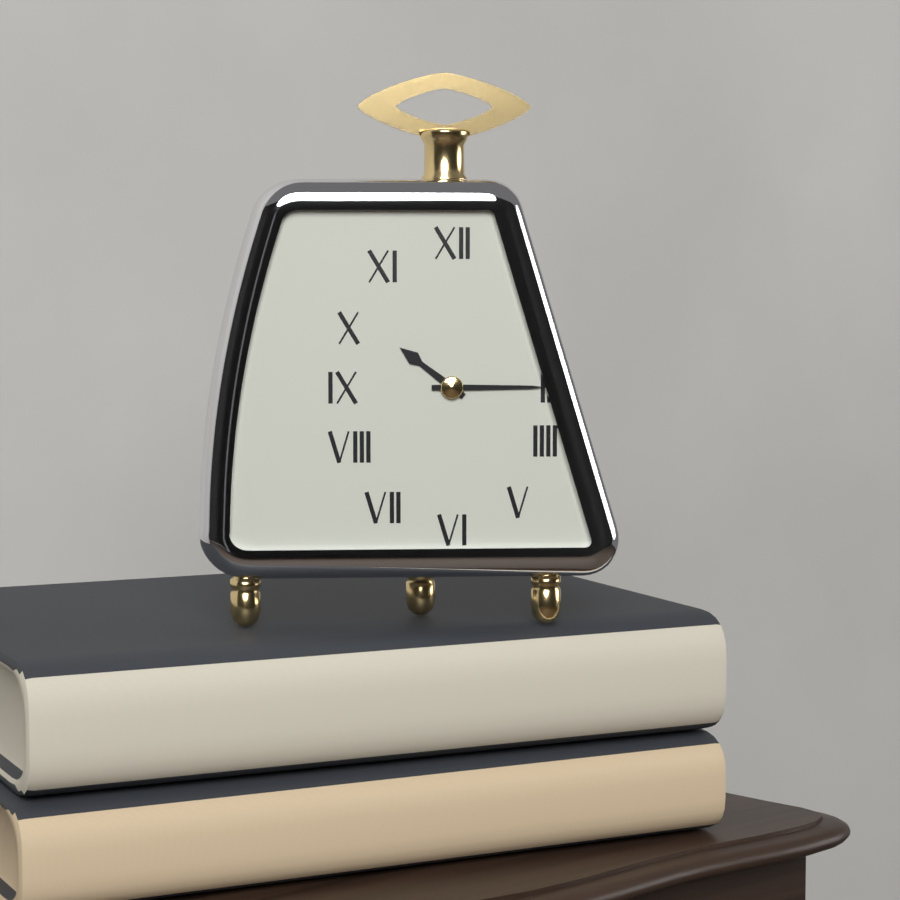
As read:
{"hour": 10, "minute": 15}
